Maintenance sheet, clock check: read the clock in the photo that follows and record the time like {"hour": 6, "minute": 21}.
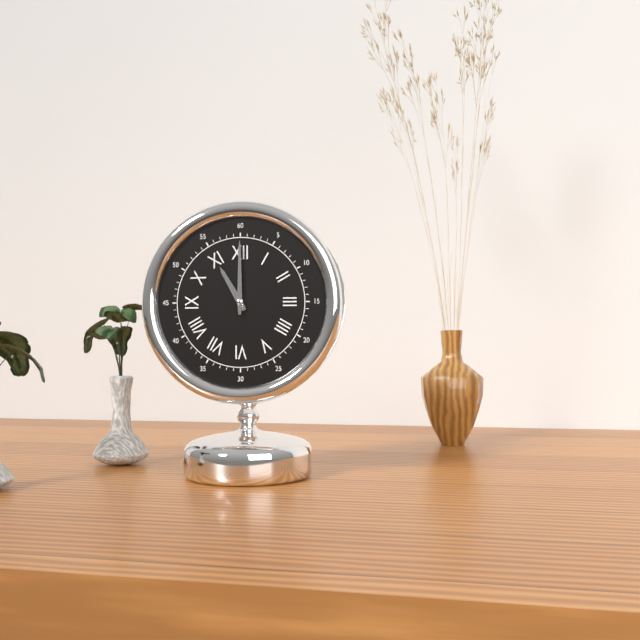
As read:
{"hour": 11, "minute": 0}
